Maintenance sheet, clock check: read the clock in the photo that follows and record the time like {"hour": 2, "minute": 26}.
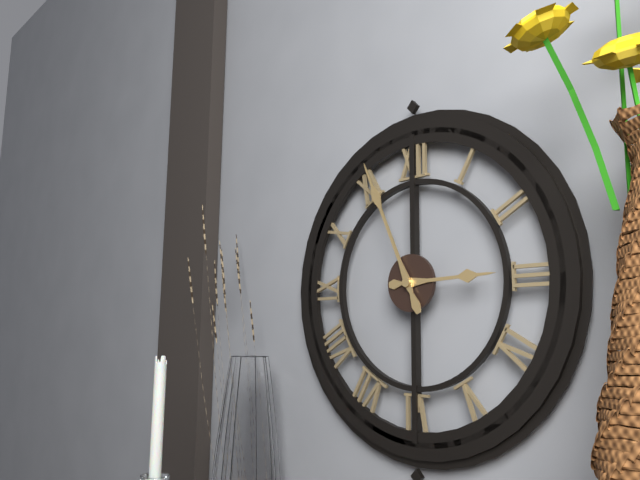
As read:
{"hour": 2, "minute": 56}
